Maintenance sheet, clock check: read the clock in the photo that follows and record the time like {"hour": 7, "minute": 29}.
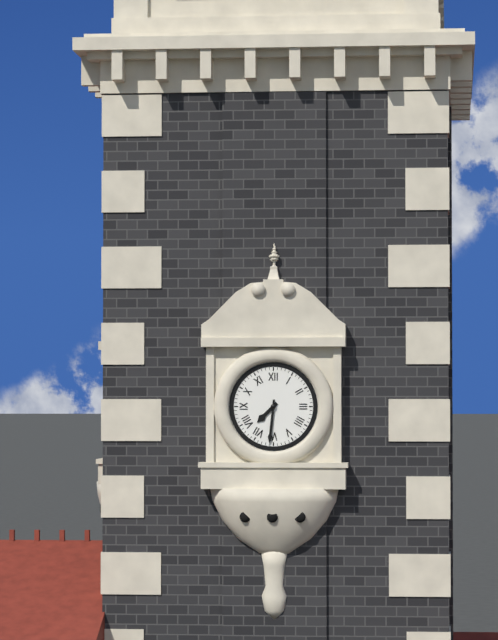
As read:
{"hour": 7, "minute": 31}
